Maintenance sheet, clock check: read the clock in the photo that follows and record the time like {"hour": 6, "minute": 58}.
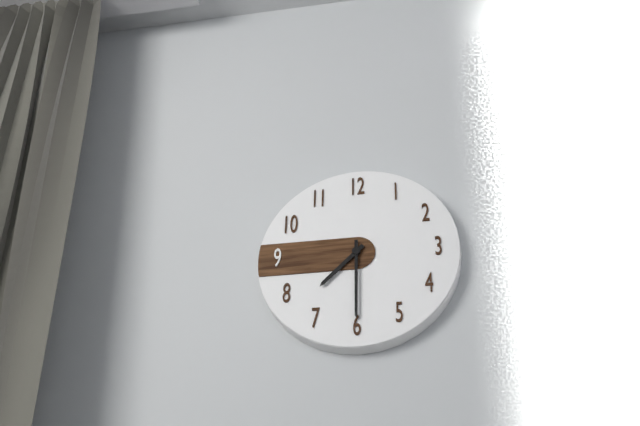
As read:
{"hour": 7, "minute": 30}
